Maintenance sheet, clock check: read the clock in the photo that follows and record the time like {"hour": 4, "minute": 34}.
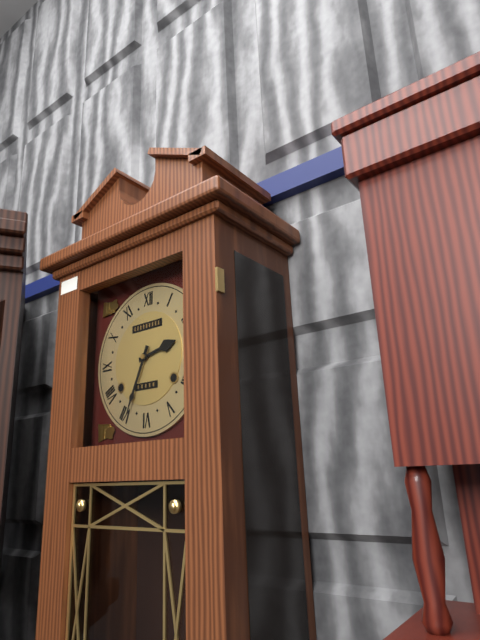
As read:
{"hour": 2, "minute": 34}
